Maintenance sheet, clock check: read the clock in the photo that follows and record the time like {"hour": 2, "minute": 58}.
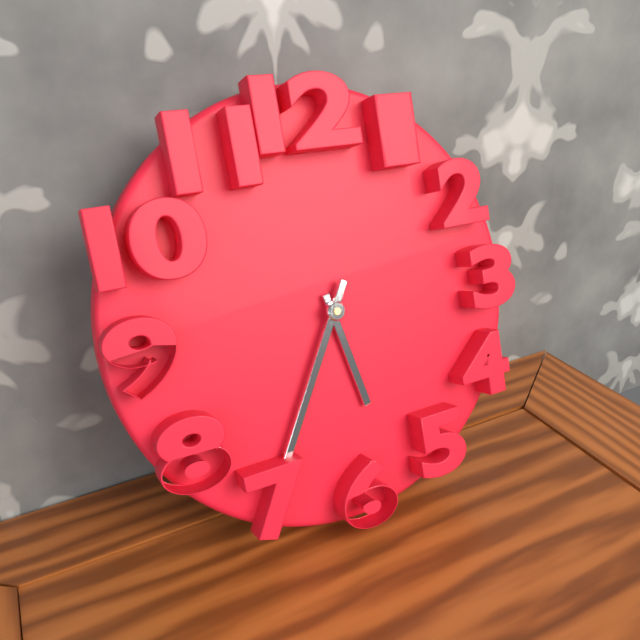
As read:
{"hour": 5, "minute": 35}
